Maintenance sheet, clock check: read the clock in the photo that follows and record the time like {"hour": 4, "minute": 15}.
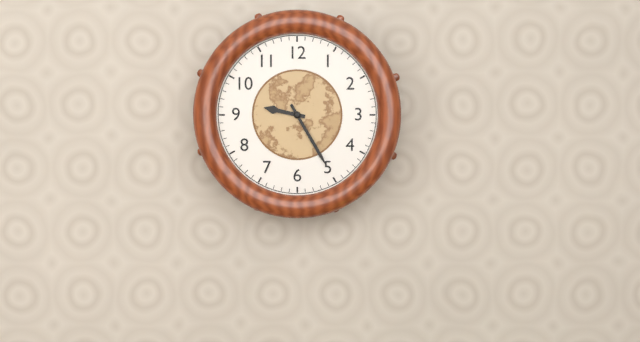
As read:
{"hour": 9, "minute": 25}
